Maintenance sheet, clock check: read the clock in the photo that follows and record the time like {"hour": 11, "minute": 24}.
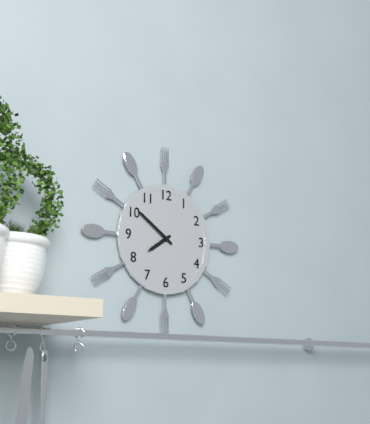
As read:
{"hour": 7, "minute": 51}
